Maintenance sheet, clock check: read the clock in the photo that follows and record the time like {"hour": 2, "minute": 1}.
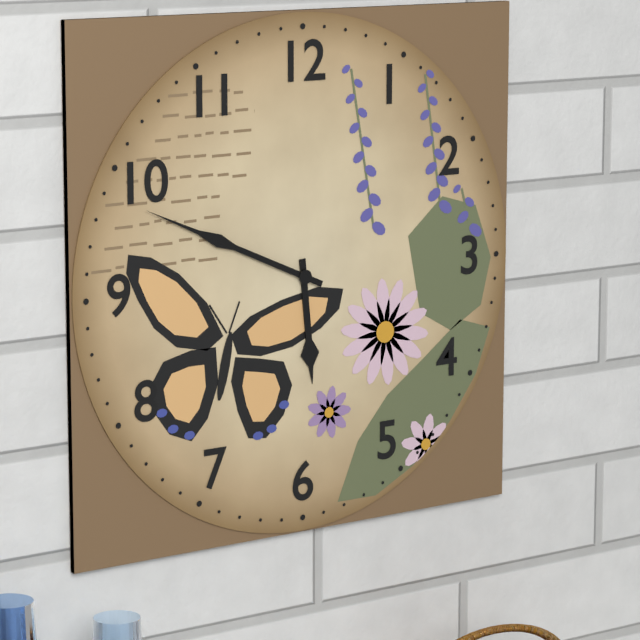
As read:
{"hour": 5, "minute": 49}
